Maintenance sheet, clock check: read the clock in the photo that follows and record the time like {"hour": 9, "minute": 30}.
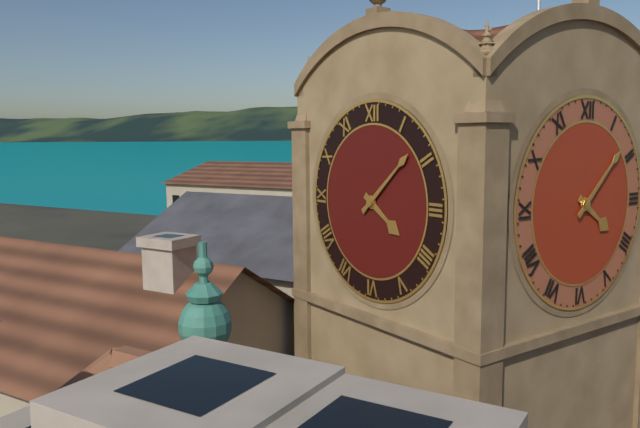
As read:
{"hour": 4, "minute": 8}
